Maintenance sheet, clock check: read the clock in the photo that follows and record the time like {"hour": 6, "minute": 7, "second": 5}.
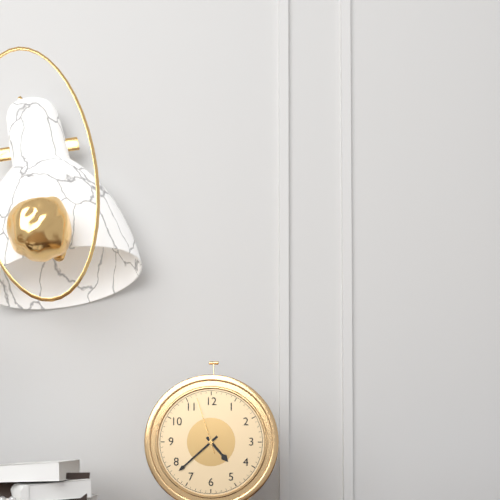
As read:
{"hour": 4, "minute": 38, "second": 57}
